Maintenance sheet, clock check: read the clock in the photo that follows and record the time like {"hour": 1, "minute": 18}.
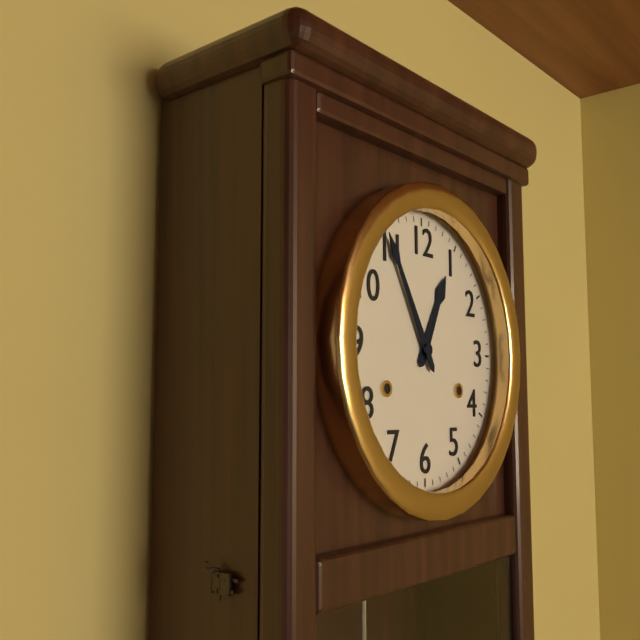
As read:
{"hour": 12, "minute": 55}
